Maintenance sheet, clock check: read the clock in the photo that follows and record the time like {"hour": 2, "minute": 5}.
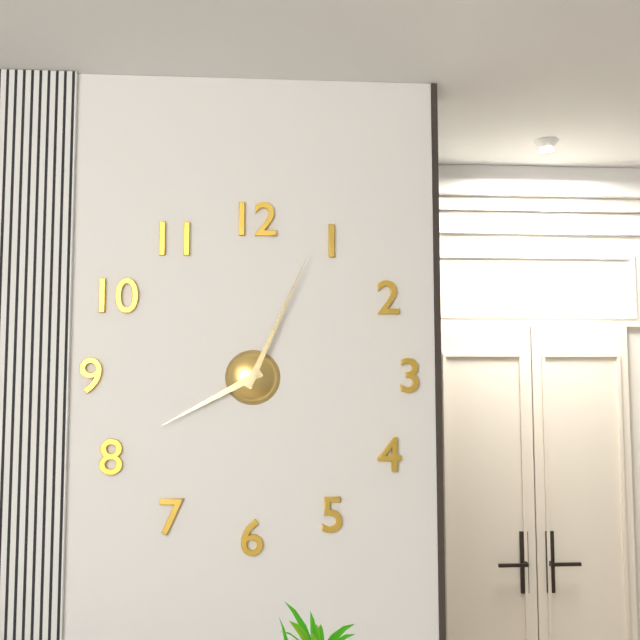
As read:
{"hour": 8, "minute": 4}
